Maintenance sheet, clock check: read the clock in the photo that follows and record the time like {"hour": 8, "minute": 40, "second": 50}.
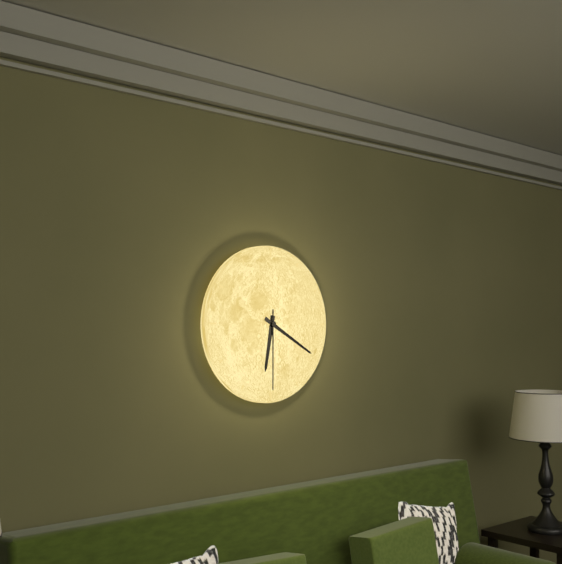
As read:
{"hour": 6, "minute": 20, "second": 30}
